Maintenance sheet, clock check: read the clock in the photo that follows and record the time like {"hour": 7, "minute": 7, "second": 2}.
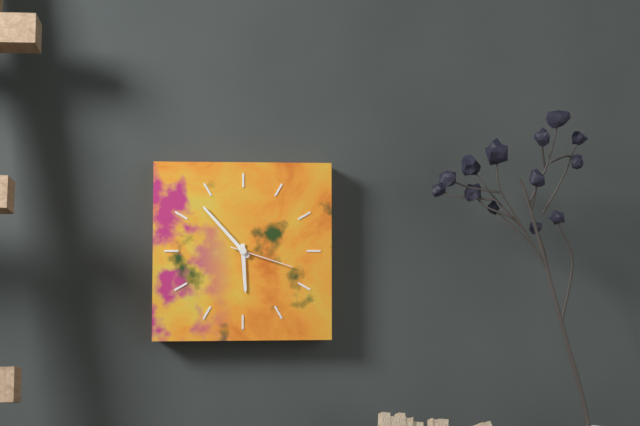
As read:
{"hour": 5, "minute": 53, "second": 18}
